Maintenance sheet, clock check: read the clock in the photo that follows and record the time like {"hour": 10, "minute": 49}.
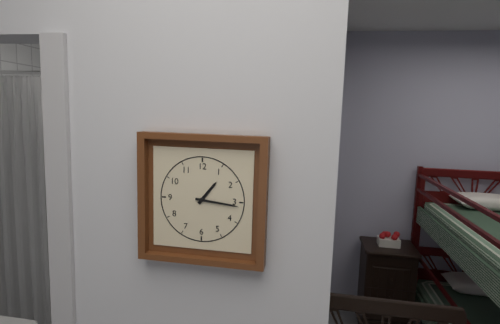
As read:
{"hour": 1, "minute": 16}
